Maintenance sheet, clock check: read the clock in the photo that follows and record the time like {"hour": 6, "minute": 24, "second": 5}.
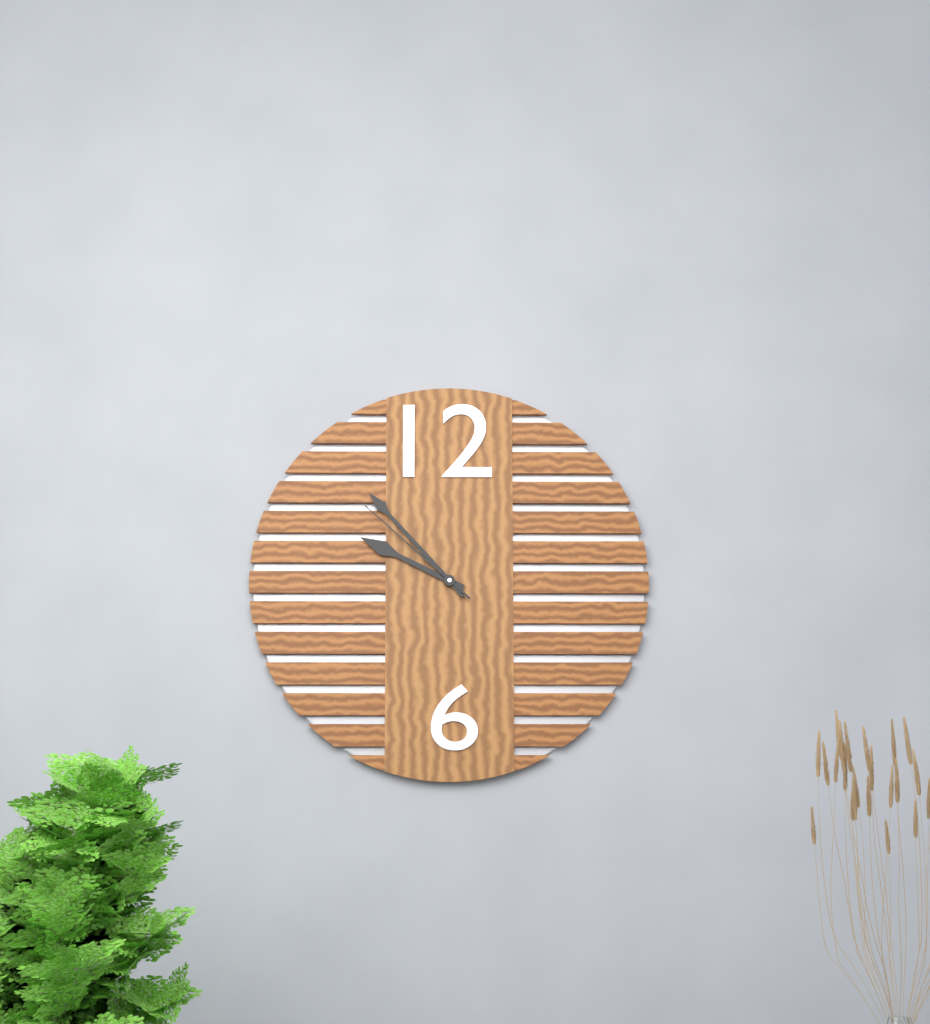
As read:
{"hour": 9, "minute": 53, "second": 52}
